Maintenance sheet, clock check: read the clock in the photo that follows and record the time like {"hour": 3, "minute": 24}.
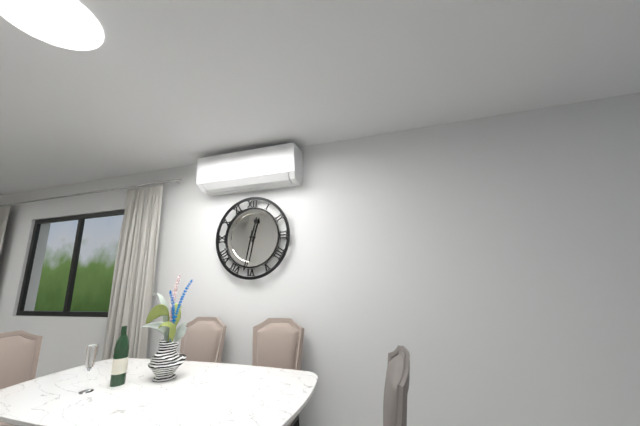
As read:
{"hour": 12, "minute": 32}
